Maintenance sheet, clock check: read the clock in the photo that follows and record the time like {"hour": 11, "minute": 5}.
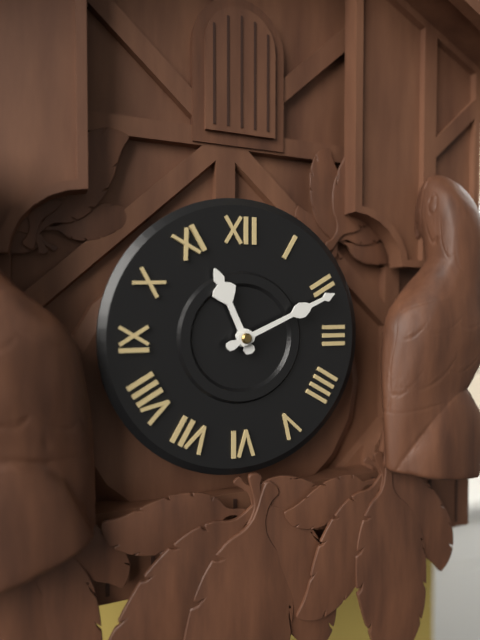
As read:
{"hour": 11, "minute": 11}
